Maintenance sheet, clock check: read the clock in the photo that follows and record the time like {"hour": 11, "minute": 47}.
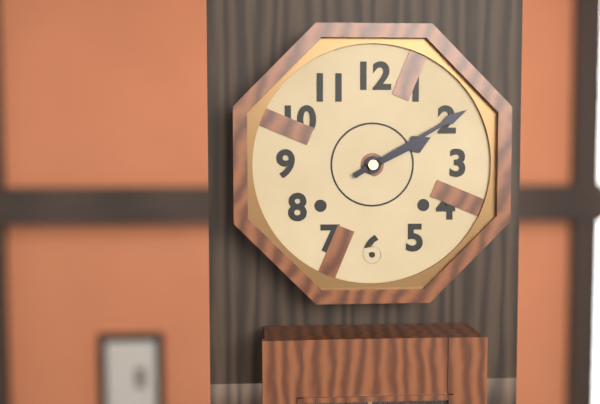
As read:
{"hour": 2, "minute": 10}
